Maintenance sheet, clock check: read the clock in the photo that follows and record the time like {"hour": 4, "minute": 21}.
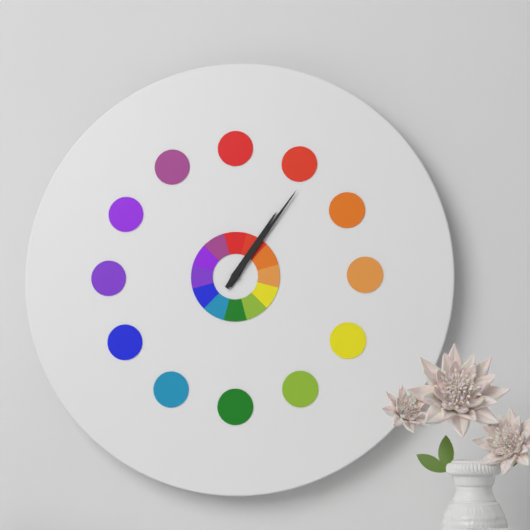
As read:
{"hour": 1, "minute": 6}
